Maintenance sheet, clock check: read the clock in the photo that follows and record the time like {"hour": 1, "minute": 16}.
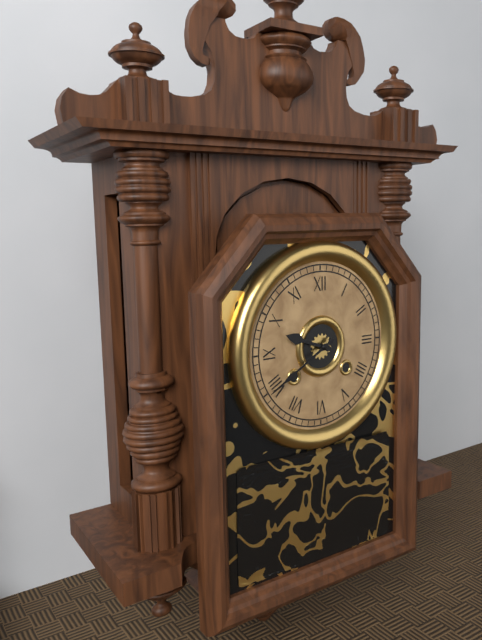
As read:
{"hour": 9, "minute": 40}
